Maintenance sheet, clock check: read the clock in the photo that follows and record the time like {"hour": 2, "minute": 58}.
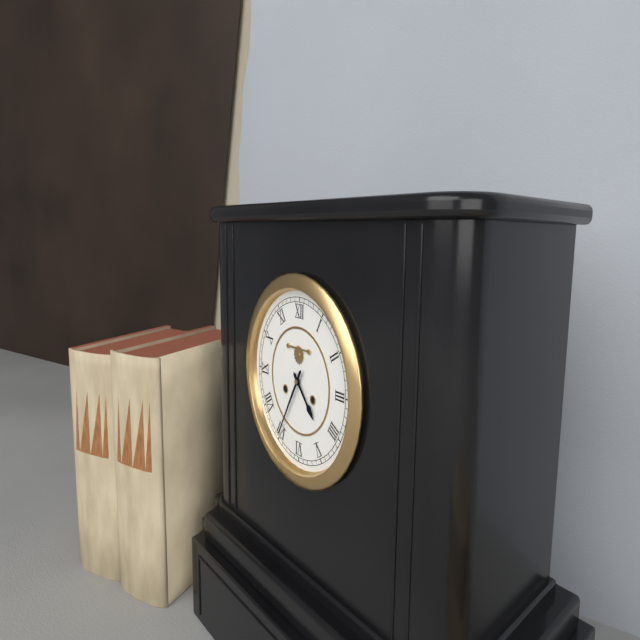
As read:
{"hour": 4, "minute": 35}
